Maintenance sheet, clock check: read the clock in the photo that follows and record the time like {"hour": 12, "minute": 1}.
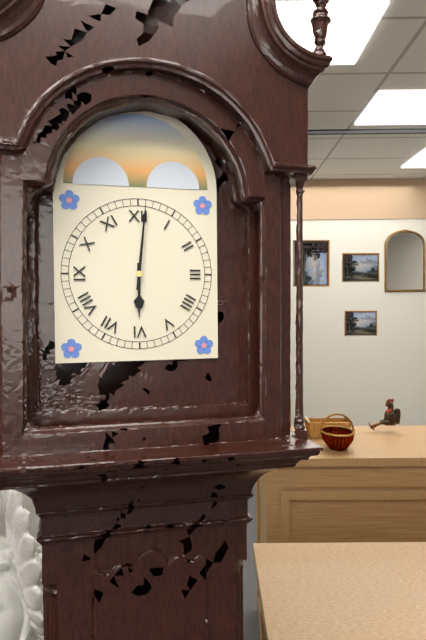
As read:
{"hour": 6, "minute": 1}
